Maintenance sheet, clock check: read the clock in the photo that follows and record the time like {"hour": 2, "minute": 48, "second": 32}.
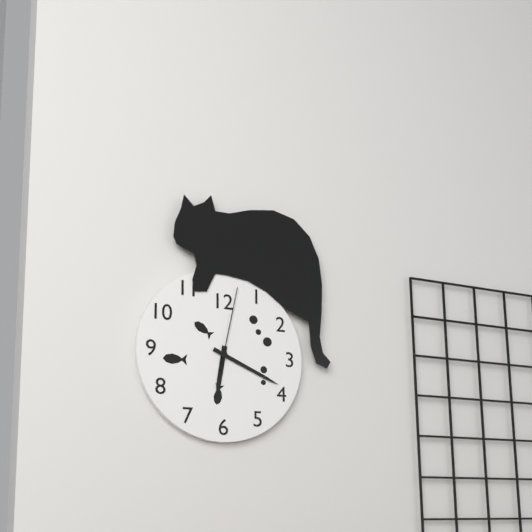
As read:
{"hour": 6, "minute": 19, "second": 2}
